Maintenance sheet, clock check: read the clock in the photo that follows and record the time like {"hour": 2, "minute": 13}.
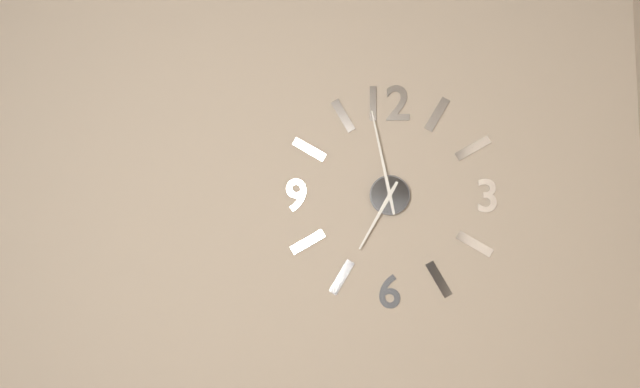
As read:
{"hour": 6, "minute": 58}
